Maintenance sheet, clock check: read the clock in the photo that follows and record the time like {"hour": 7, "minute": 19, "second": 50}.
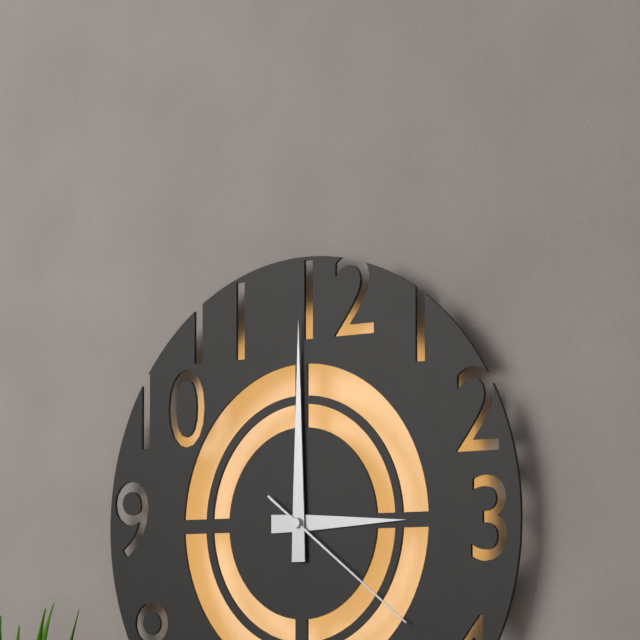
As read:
{"hour": 3, "minute": 0, "second": 21}
